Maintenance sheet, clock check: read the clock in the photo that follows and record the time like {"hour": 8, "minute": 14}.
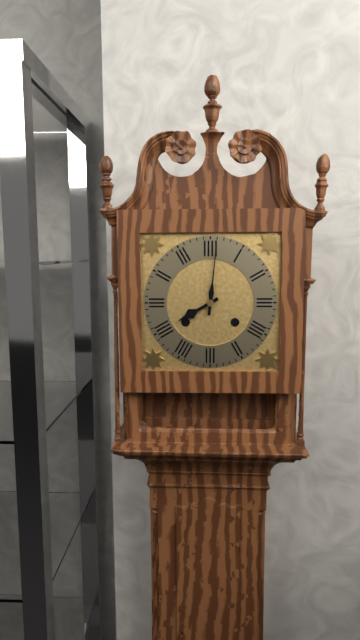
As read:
{"hour": 8, "minute": 1}
